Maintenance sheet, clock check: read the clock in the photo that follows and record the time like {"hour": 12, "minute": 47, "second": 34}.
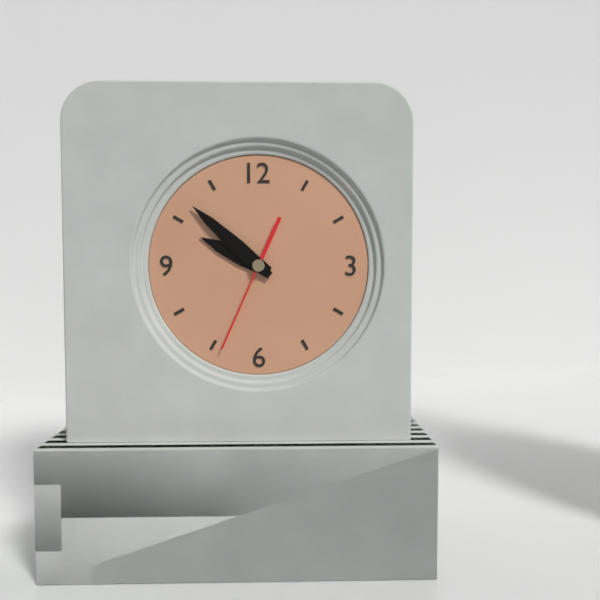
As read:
{"hour": 9, "minute": 52, "second": 34}
